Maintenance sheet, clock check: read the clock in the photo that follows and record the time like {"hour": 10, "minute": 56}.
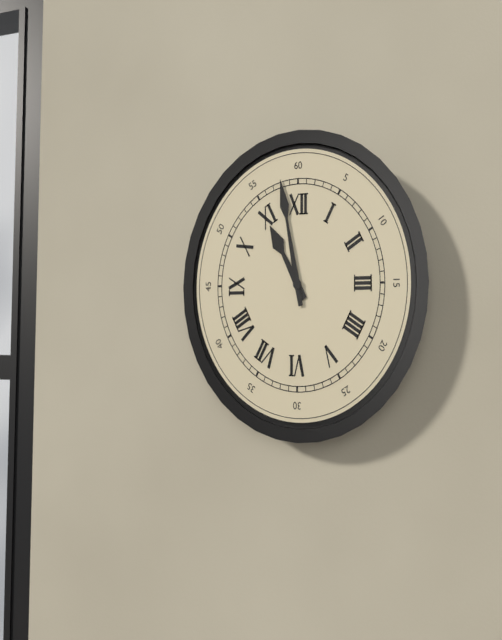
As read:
{"hour": 10, "minute": 58}
